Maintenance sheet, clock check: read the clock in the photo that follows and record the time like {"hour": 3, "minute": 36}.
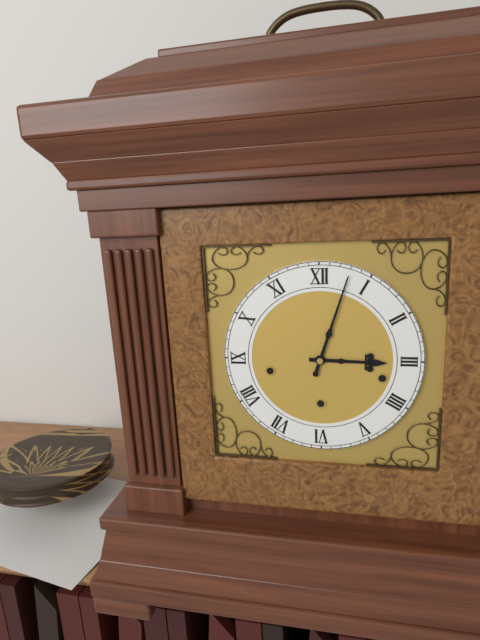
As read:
{"hour": 3, "minute": 3}
